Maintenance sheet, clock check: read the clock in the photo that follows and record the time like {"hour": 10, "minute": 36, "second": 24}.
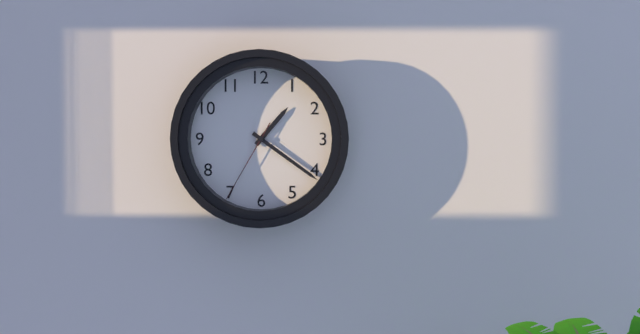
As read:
{"hour": 1, "minute": 21, "second": 35}
